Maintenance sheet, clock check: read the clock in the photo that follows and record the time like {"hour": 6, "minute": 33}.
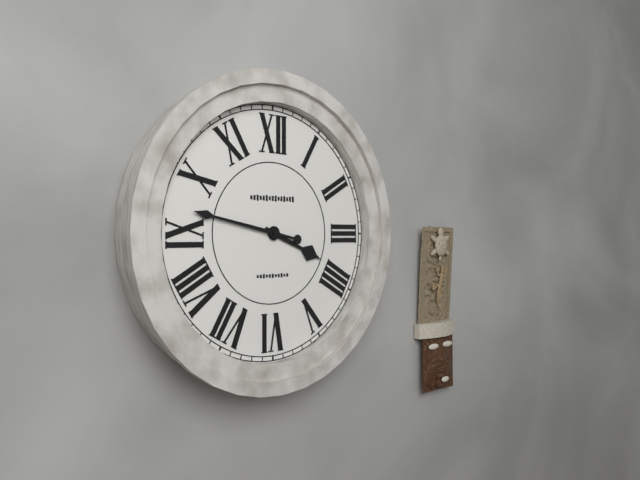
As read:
{"hour": 3, "minute": 47}
